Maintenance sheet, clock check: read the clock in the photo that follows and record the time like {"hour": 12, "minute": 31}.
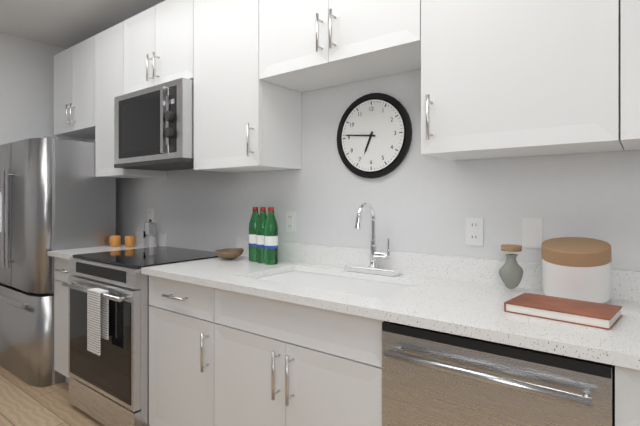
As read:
{"hour": 6, "minute": 46}
